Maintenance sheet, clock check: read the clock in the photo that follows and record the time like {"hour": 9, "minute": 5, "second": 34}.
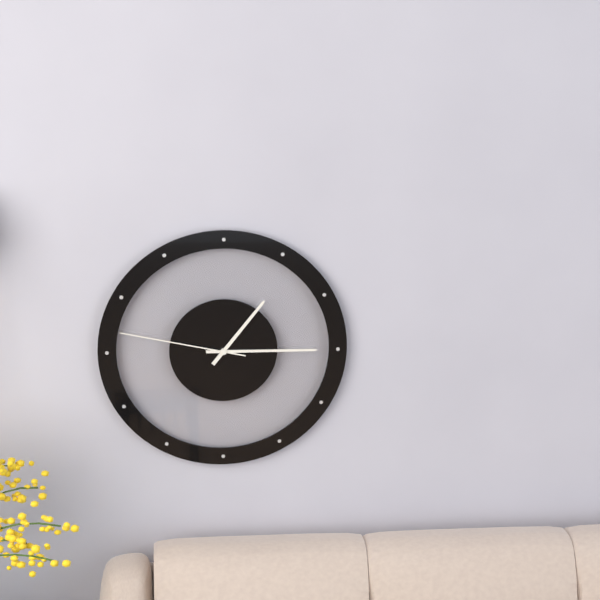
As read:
{"hour": 1, "minute": 15, "second": 47}
